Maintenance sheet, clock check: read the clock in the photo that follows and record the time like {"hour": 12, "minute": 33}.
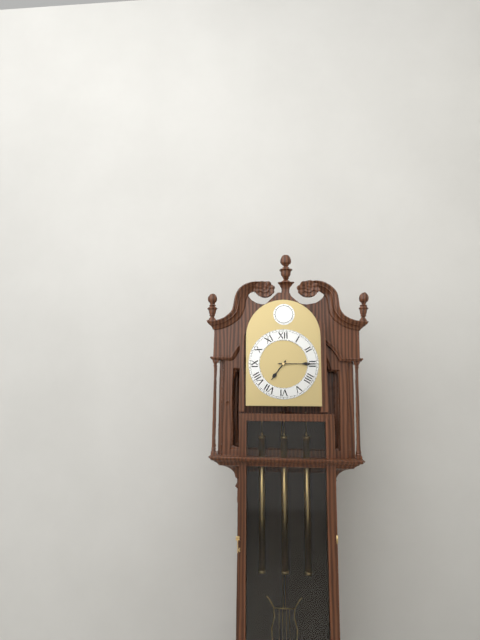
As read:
{"hour": 7, "minute": 15}
